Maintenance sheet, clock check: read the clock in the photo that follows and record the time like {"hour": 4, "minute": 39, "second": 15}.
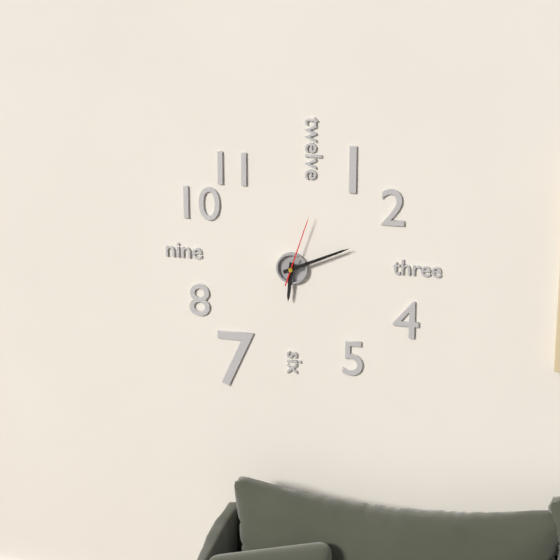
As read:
{"hour": 6, "minute": 11, "second": 3}
